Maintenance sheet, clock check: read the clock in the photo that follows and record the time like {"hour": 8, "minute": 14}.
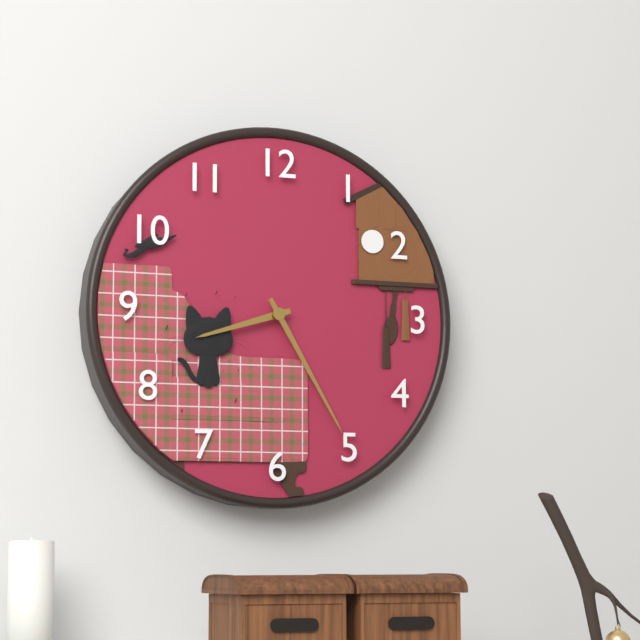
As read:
{"hour": 8, "minute": 25}
